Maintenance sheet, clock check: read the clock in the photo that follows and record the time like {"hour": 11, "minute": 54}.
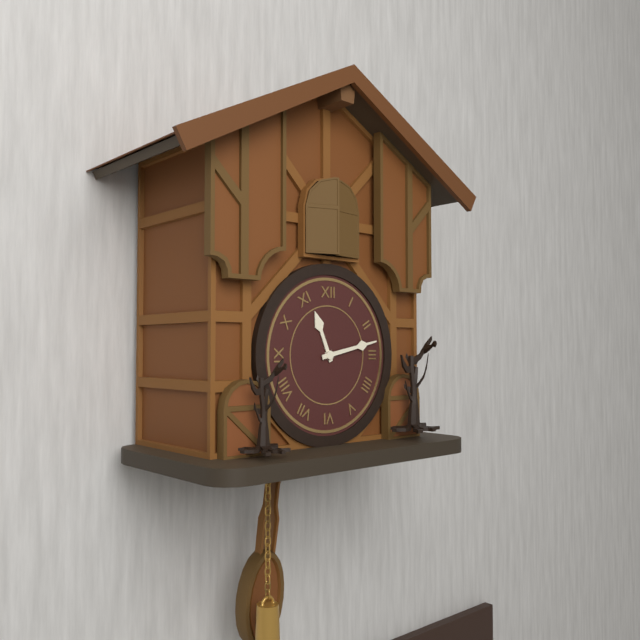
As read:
{"hour": 11, "minute": 13}
